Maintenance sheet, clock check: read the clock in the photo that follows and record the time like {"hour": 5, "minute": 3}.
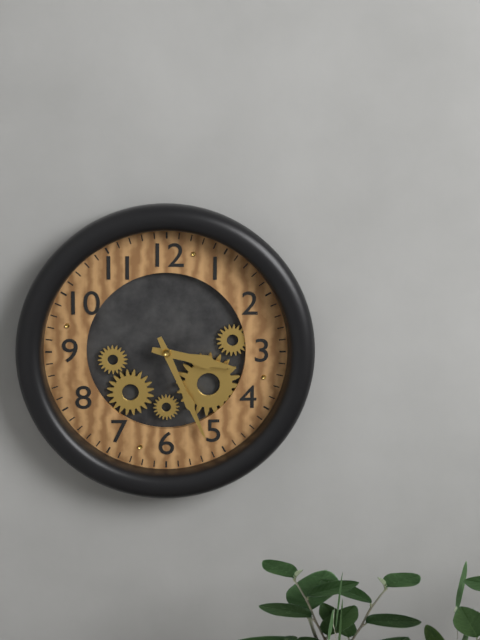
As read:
{"hour": 3, "minute": 26}
